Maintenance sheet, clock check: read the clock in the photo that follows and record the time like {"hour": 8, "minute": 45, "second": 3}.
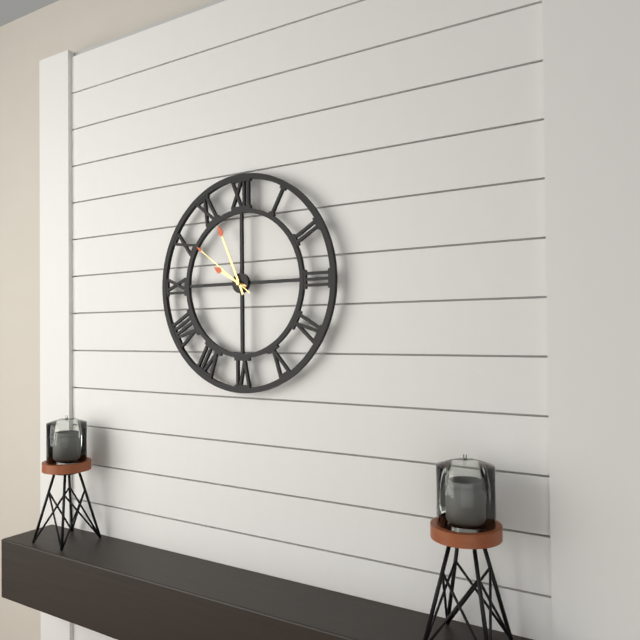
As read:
{"hour": 9, "minute": 56, "second": 51}
